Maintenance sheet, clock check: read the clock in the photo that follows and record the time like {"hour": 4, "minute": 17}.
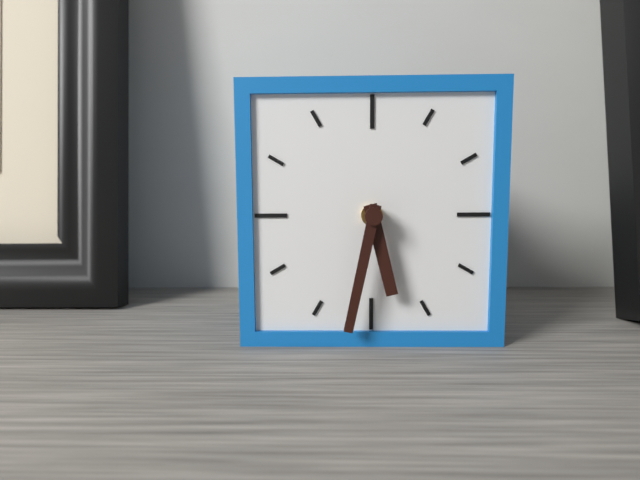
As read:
{"hour": 5, "minute": 32}
